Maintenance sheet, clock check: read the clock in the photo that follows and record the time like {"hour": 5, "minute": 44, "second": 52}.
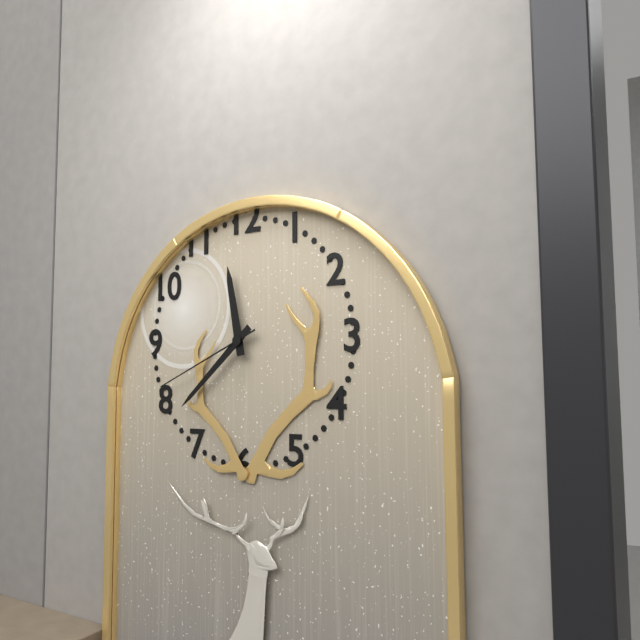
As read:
{"hour": 11, "minute": 38, "second": 41}
